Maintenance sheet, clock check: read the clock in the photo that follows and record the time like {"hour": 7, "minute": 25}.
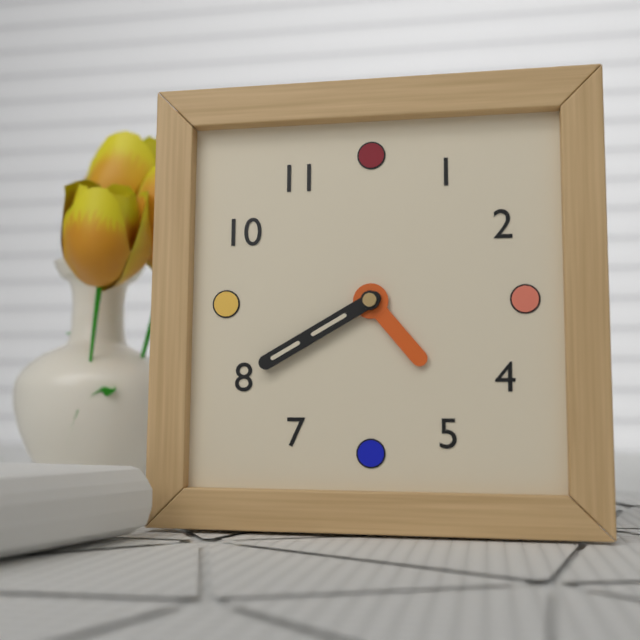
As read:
{"hour": 4, "minute": 40}
